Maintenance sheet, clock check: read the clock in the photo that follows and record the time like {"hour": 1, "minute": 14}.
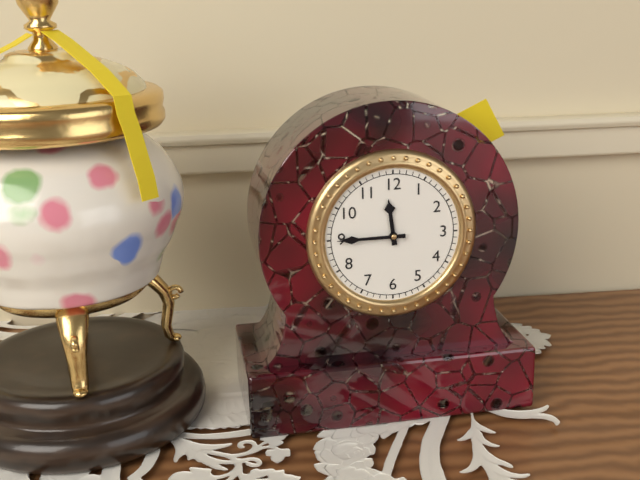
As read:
{"hour": 11, "minute": 45}
